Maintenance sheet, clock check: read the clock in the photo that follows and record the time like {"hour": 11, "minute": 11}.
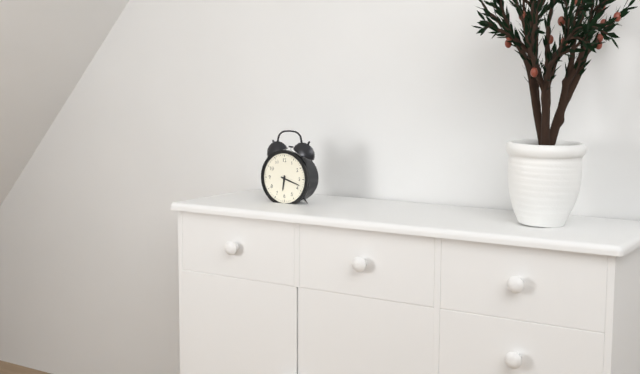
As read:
{"hour": 6, "minute": 18}
